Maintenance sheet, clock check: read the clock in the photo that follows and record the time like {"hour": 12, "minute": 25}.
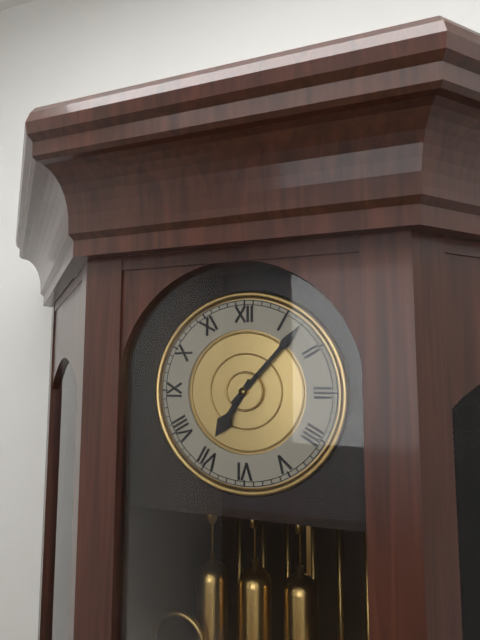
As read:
{"hour": 7, "minute": 7}
